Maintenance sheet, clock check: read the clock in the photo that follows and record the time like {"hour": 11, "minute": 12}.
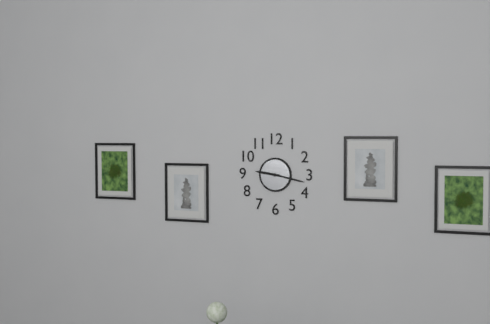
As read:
{"hour": 9, "minute": 17}
